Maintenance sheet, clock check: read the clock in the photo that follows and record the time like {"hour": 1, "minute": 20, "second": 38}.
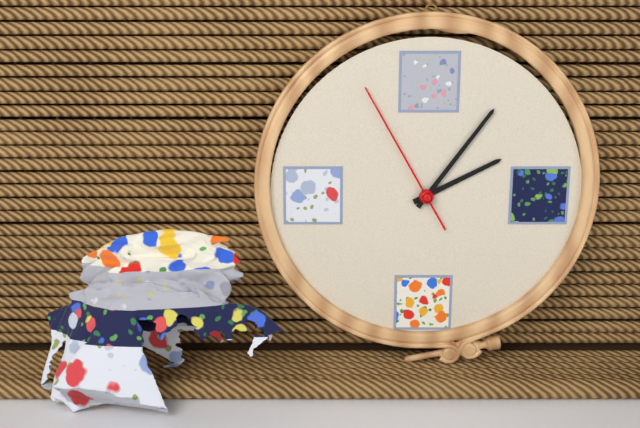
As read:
{"hour": 2, "minute": 6, "second": 55}
